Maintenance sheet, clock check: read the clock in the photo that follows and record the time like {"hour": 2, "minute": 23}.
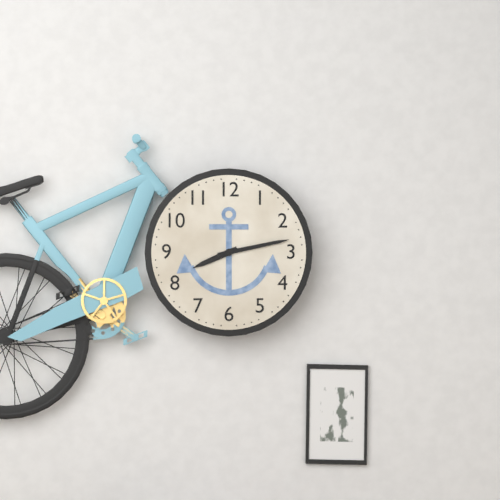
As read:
{"hour": 8, "minute": 13}
